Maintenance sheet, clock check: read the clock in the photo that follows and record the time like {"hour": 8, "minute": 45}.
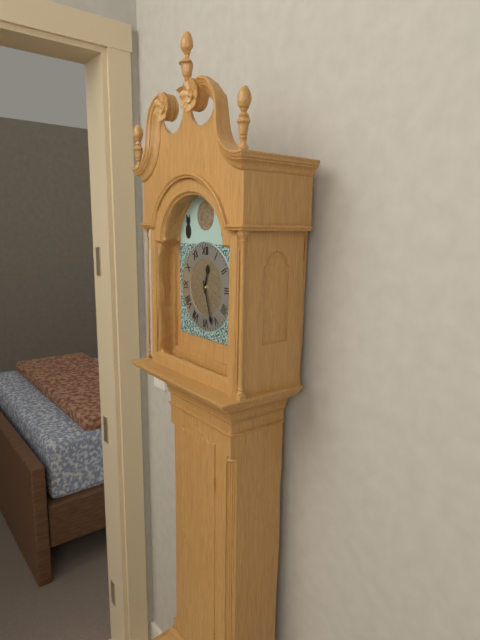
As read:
{"hour": 12, "minute": 27}
